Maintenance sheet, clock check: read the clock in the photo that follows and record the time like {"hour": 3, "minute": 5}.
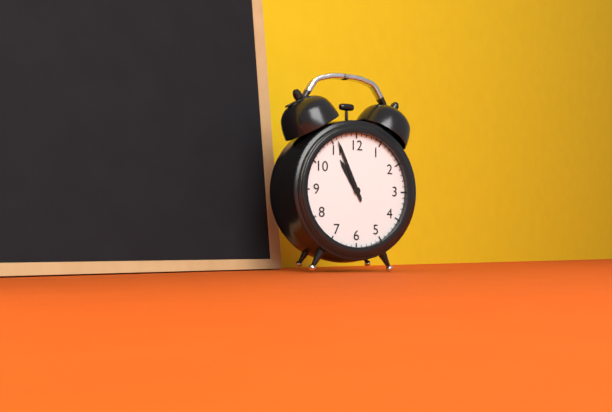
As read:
{"hour": 10, "minute": 56}
